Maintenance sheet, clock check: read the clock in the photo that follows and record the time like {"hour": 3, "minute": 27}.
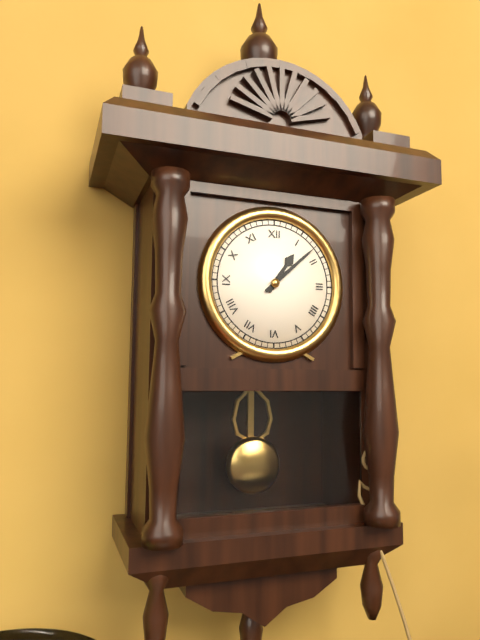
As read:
{"hour": 1, "minute": 8}
